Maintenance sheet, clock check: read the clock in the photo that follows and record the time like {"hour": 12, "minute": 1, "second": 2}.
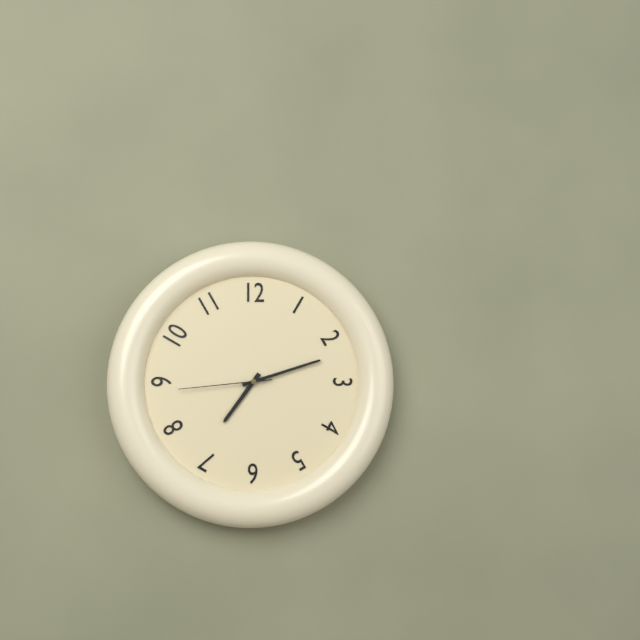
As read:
{"hour": 7, "minute": 12, "second": 44}
